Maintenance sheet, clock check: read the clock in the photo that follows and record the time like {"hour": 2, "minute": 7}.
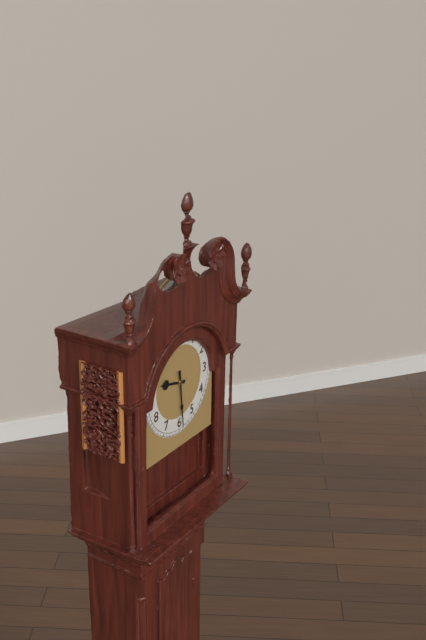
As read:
{"hour": 9, "minute": 29}
